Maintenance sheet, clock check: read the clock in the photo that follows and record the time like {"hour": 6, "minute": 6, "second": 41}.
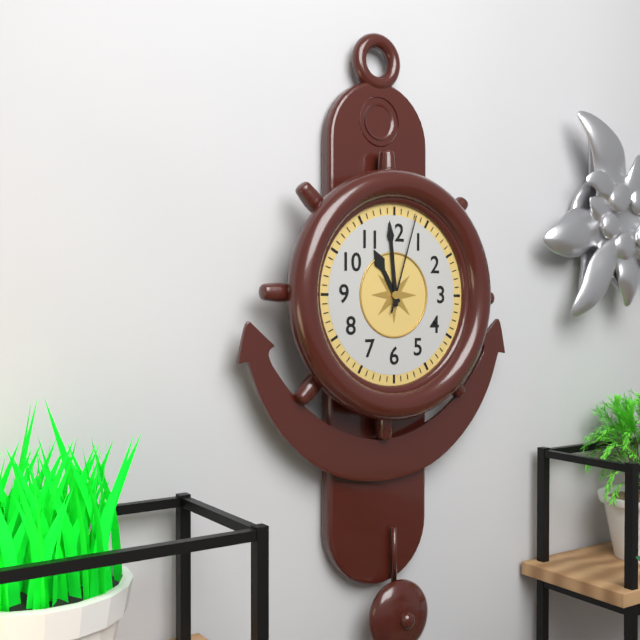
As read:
{"hour": 10, "minute": 59, "second": 3}
